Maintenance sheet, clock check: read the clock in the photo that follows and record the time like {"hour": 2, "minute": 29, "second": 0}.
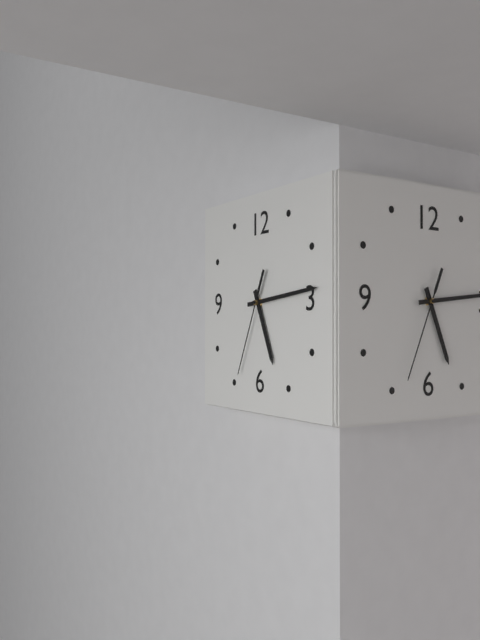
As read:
{"hour": 5, "minute": 14, "second": 34}
